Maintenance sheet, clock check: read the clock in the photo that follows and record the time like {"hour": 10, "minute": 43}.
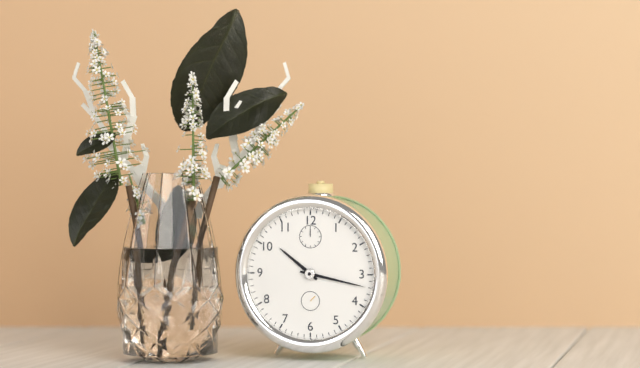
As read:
{"hour": 10, "minute": 17}
